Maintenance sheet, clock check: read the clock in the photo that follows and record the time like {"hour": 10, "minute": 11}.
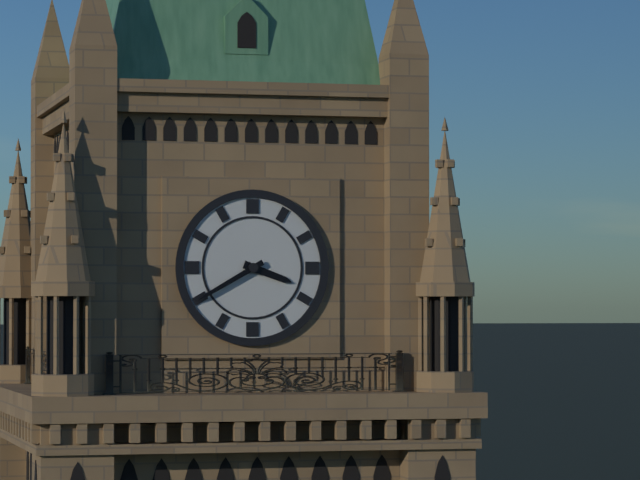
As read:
{"hour": 3, "minute": 40}
